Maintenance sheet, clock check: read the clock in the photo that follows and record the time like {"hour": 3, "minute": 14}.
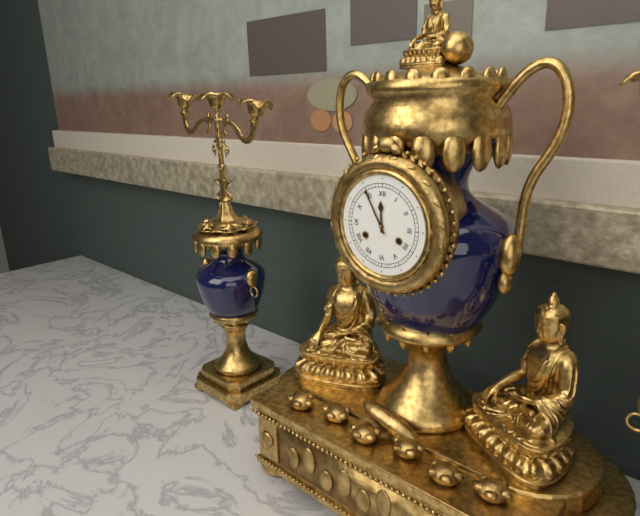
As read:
{"hour": 11, "minute": 55}
